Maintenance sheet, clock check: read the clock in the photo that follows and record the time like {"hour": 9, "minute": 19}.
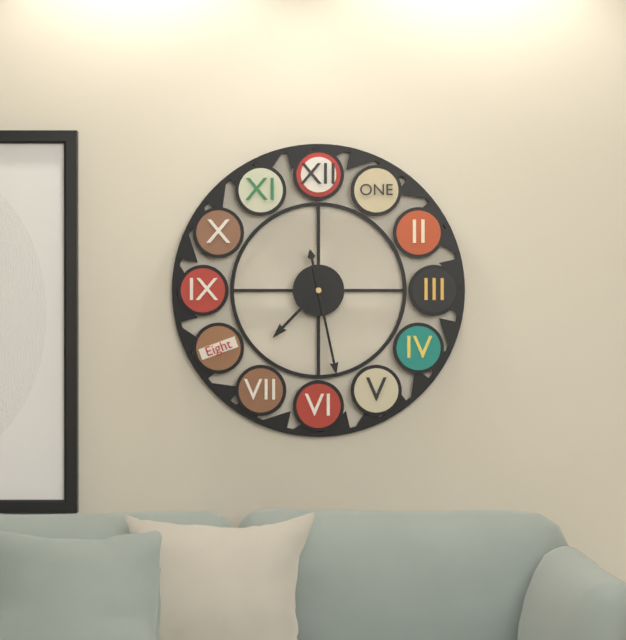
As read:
{"hour": 7, "minute": 28}
